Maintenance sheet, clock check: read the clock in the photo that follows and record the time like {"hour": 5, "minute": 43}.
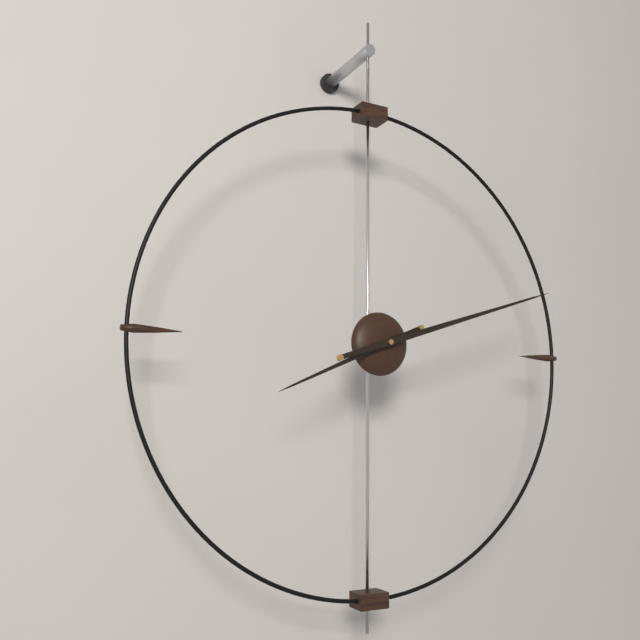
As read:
{"hour": 8, "minute": 12}
